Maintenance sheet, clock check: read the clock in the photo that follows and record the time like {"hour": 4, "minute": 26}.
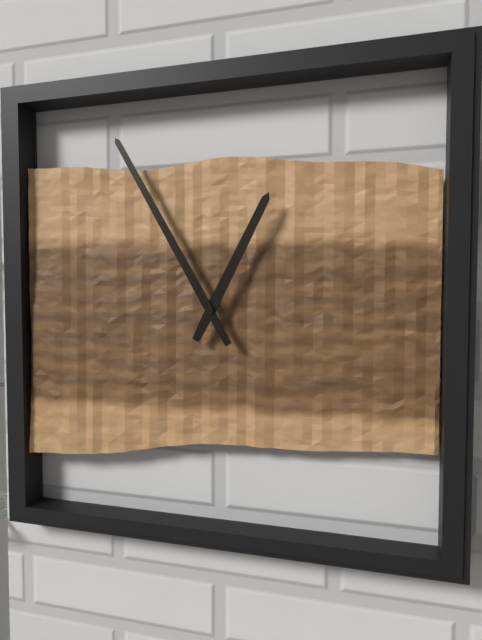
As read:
{"hour": 12, "minute": 55}
